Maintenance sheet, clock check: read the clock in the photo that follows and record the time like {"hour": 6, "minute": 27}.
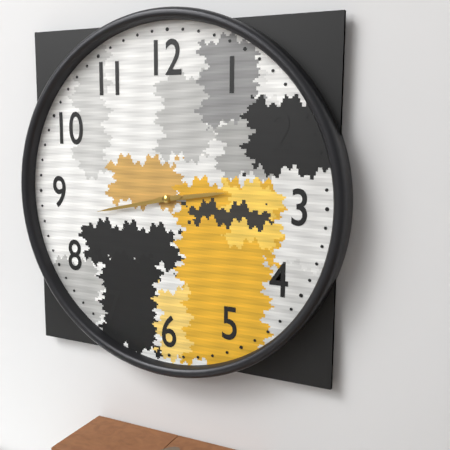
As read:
{"hour": 2, "minute": 43}
